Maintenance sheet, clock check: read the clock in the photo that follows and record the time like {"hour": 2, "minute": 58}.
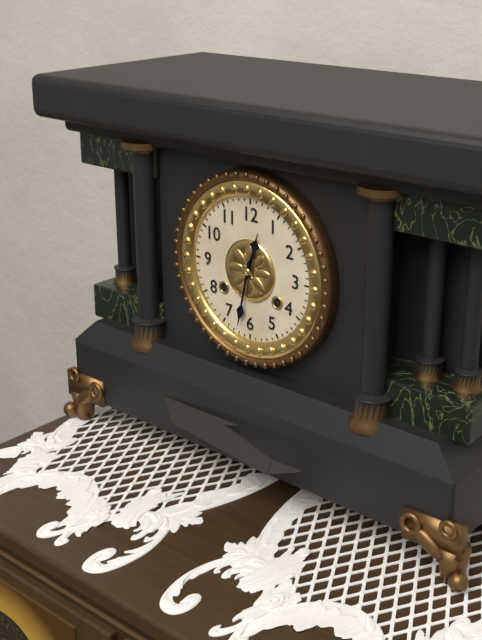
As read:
{"hour": 12, "minute": 32}
